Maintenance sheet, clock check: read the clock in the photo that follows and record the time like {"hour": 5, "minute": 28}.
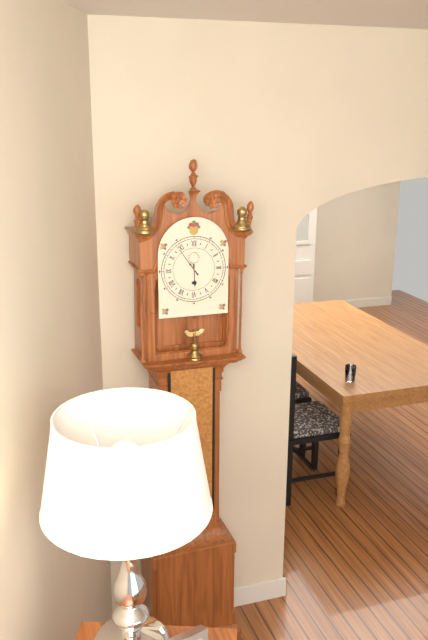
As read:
{"hour": 5, "minute": 54}
